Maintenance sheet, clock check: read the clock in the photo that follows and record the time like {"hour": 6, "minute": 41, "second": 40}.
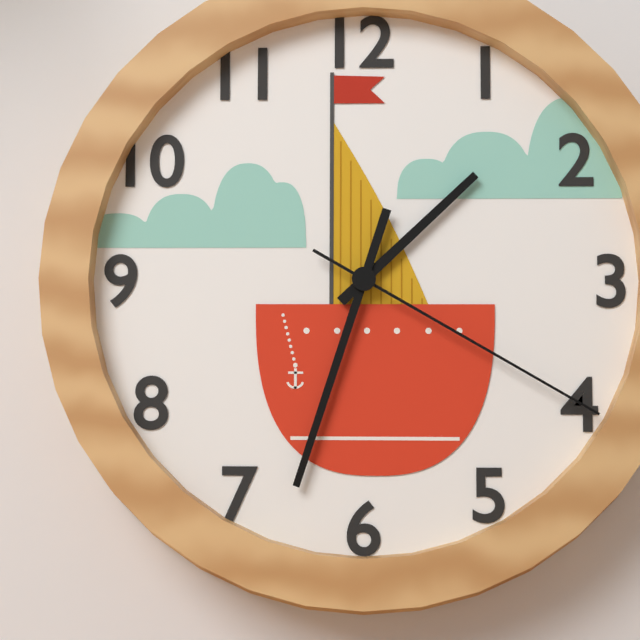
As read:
{"hour": 1, "minute": 33, "second": 20}
